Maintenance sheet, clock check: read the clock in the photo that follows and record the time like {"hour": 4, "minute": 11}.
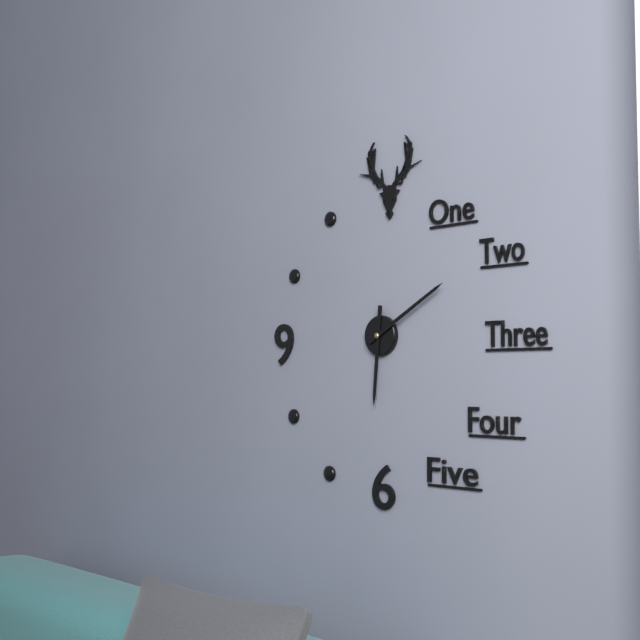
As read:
{"hour": 6, "minute": 10}
